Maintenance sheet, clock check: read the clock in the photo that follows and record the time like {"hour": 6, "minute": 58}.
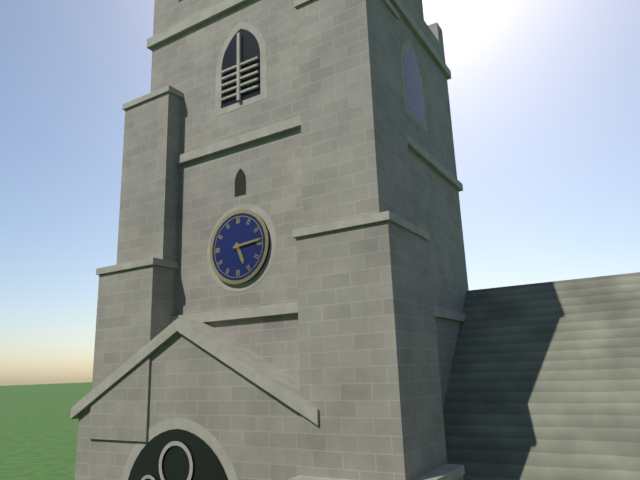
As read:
{"hour": 5, "minute": 14}
